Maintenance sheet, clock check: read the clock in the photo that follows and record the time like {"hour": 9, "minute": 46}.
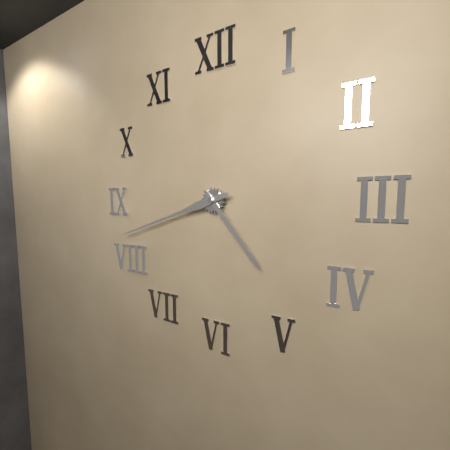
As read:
{"hour": 4, "minute": 42}
